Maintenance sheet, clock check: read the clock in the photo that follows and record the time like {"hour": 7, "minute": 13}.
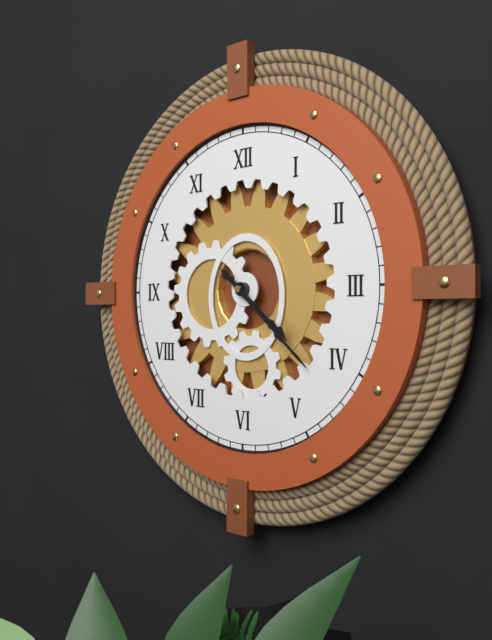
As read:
{"hour": 4, "minute": 22}
